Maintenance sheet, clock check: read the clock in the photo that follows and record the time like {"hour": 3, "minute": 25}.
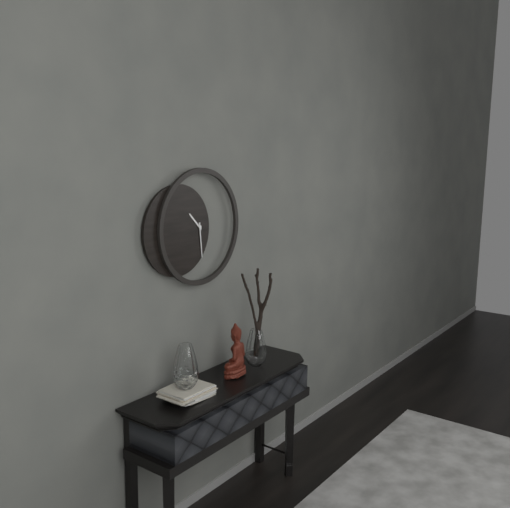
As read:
{"hour": 10, "minute": 29}
